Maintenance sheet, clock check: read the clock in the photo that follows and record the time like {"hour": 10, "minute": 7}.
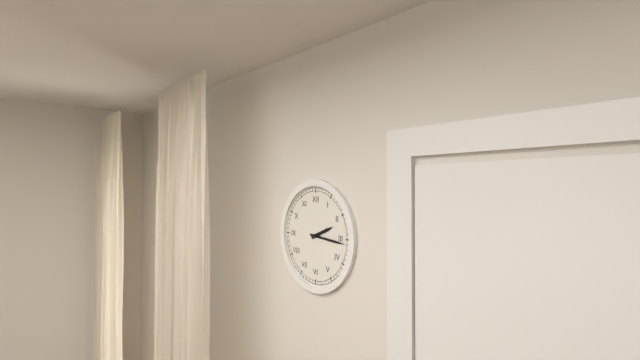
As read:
{"hour": 2, "minute": 16}
